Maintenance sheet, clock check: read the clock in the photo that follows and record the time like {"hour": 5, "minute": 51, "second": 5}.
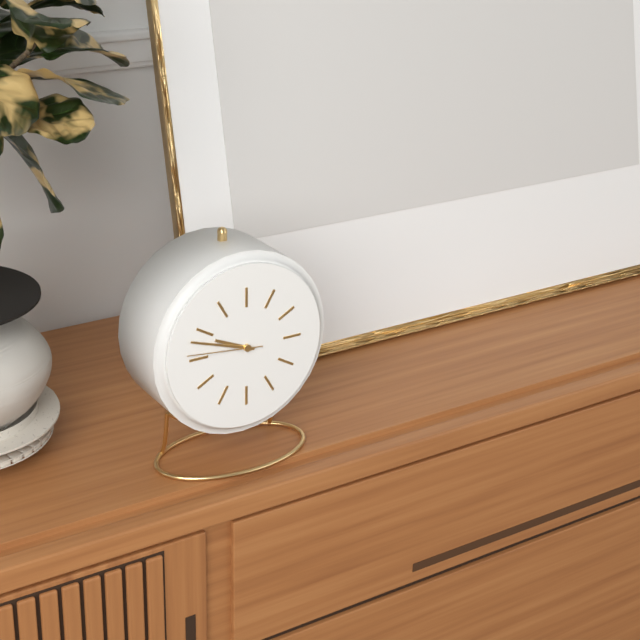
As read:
{"hour": 9, "minute": 48, "second": 46}
